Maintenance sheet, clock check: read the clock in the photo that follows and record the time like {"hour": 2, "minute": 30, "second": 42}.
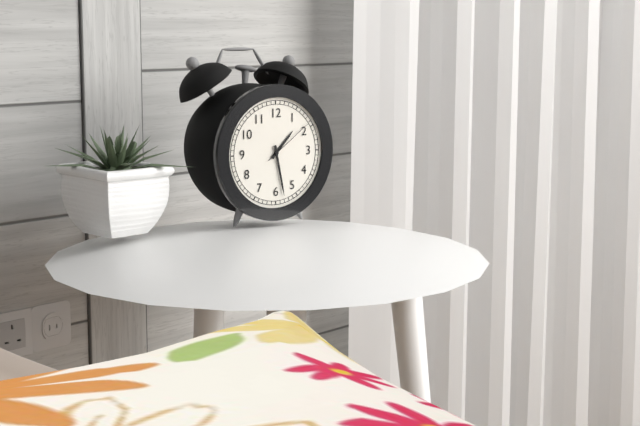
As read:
{"hour": 1, "minute": 28, "second": 9}
